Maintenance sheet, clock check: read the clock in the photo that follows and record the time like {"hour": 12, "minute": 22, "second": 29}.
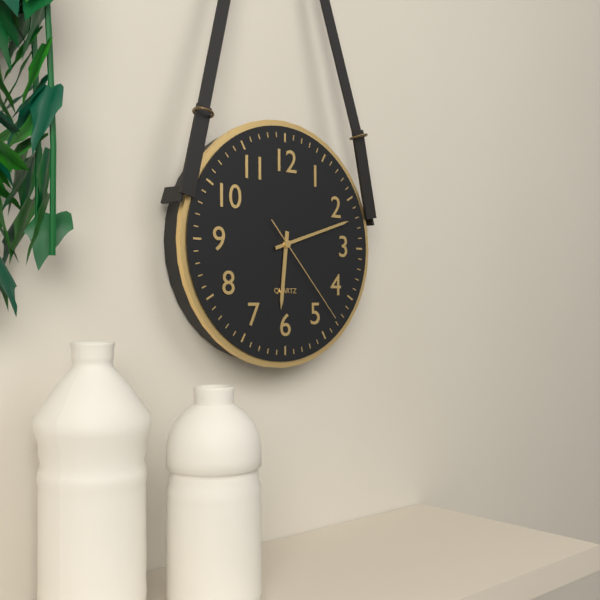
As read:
{"hour": 6, "minute": 12, "second": 23}
